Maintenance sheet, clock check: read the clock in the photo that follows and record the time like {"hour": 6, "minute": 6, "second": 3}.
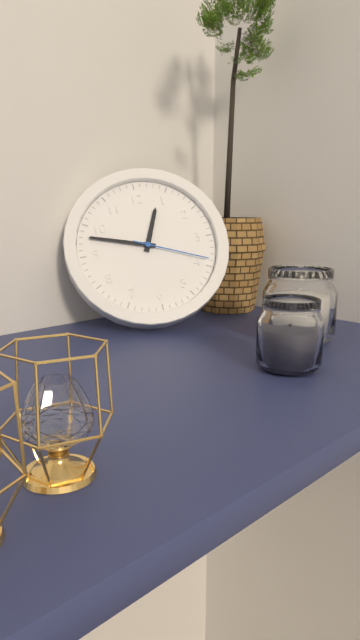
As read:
{"hour": 12, "minute": 48, "second": 19}
